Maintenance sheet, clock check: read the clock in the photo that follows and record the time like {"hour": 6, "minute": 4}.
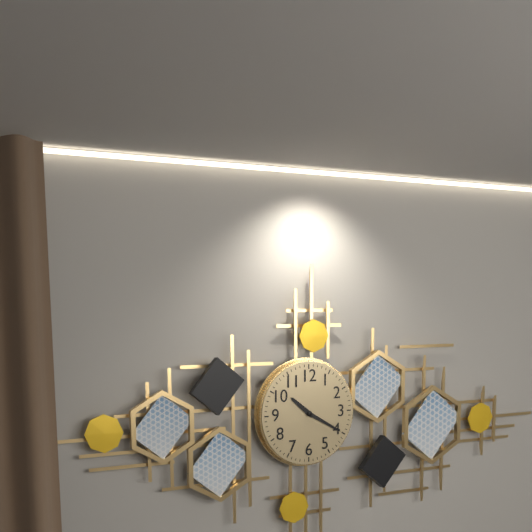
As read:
{"hour": 10, "minute": 20}
